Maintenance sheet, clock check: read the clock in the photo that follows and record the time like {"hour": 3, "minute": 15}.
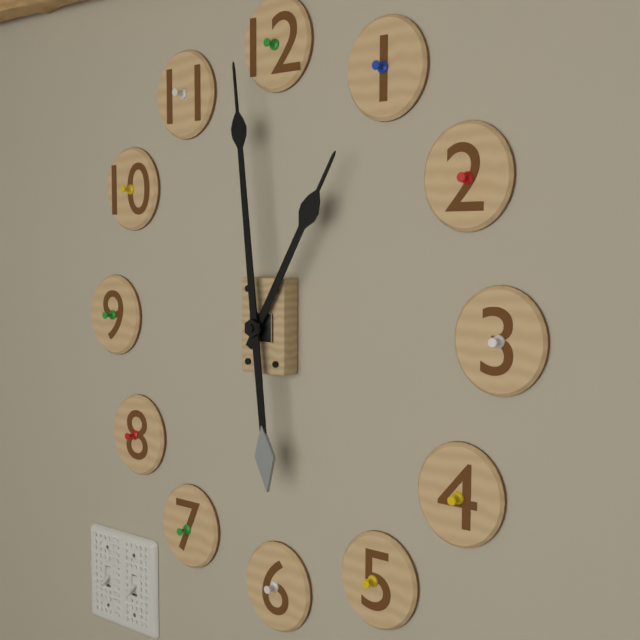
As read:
{"hour": 12, "minute": 59}
